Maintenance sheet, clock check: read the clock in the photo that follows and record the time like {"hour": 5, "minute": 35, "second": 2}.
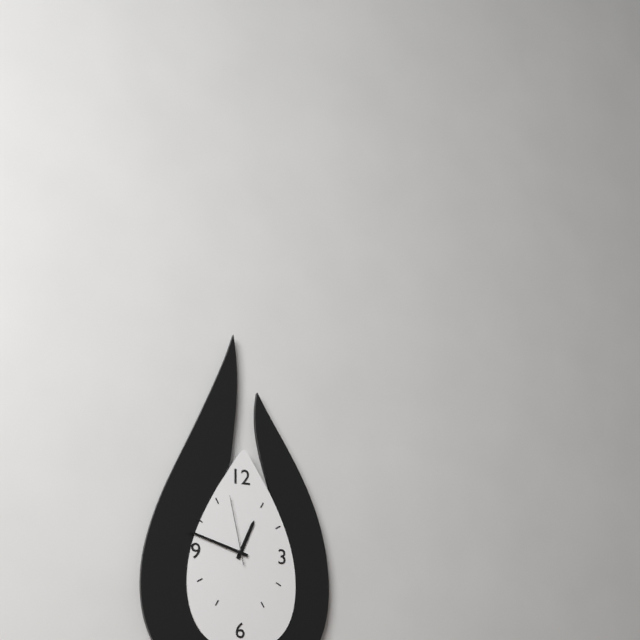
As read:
{"hour": 12, "minute": 48, "second": 58}
